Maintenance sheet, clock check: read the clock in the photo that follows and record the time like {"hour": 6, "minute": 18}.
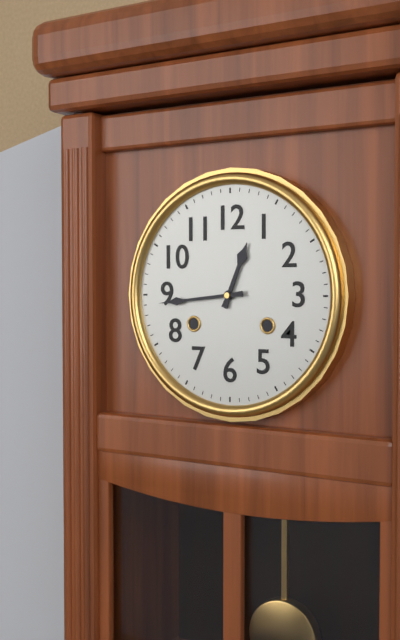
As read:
{"hour": 12, "minute": 44}
